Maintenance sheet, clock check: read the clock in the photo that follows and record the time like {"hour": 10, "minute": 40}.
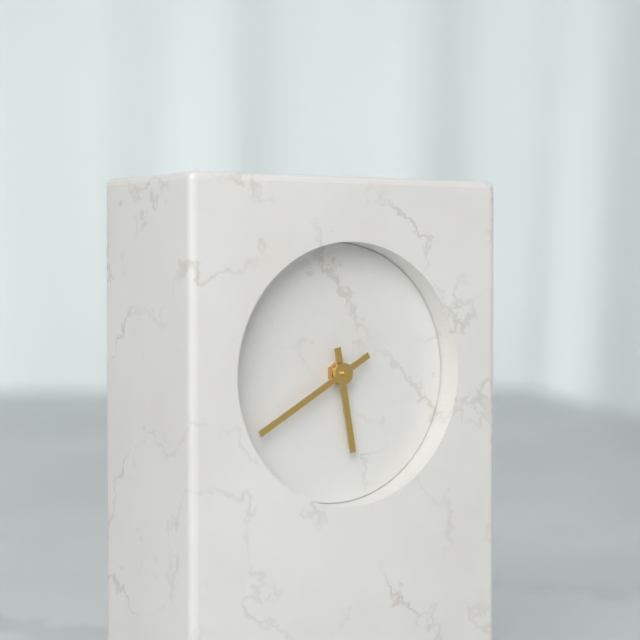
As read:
{"hour": 5, "minute": 40}
